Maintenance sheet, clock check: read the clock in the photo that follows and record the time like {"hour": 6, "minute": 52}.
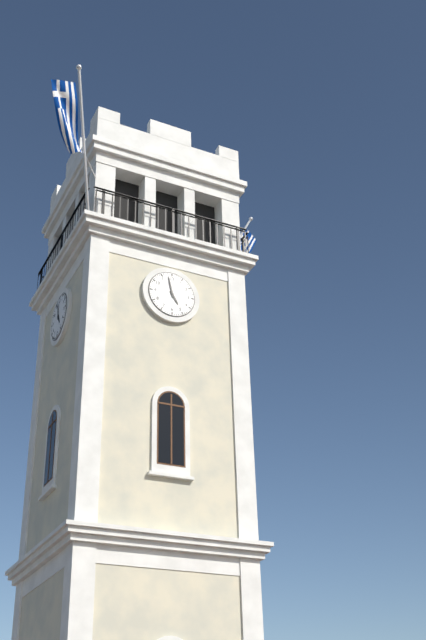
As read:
{"hour": 4, "minute": 58}
